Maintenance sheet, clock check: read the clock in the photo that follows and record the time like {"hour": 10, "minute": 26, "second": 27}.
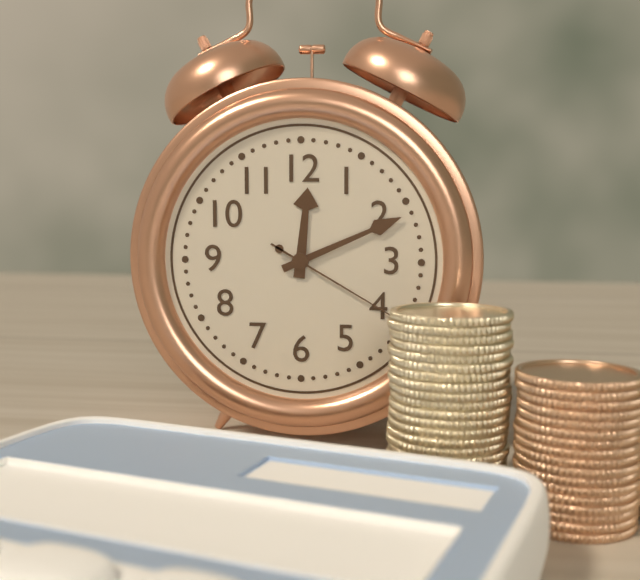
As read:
{"hour": 12, "minute": 11, "second": 20}
